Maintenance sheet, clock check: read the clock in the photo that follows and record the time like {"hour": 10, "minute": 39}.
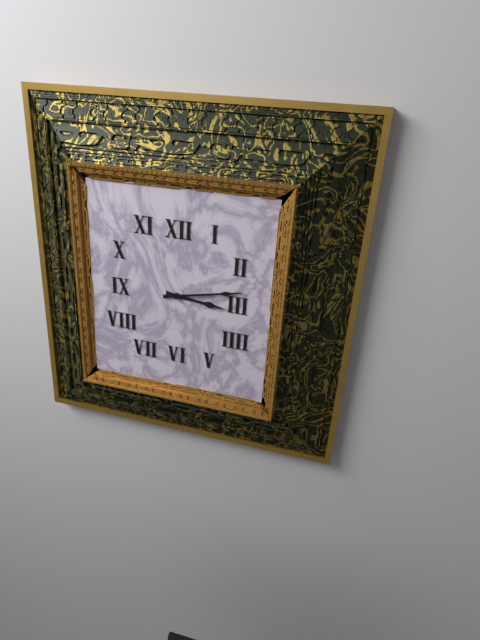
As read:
{"hour": 3, "minute": 13}
